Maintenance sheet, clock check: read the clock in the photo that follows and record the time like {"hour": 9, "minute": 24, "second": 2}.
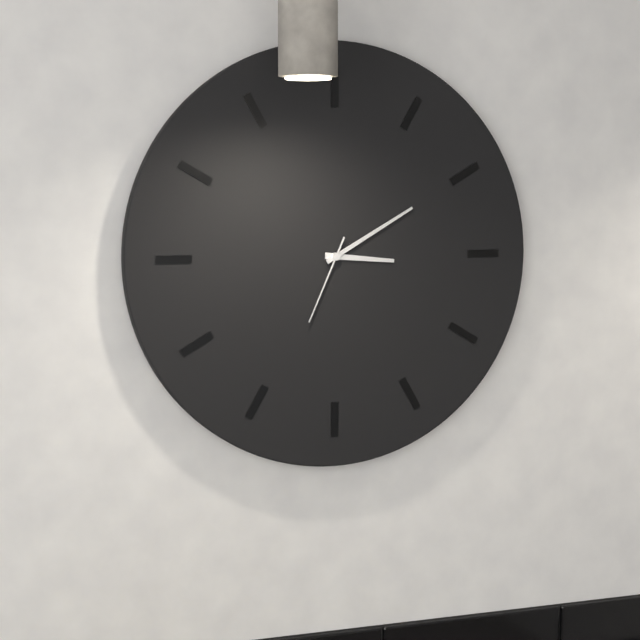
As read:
{"hour": 3, "minute": 10, "second": 34}
